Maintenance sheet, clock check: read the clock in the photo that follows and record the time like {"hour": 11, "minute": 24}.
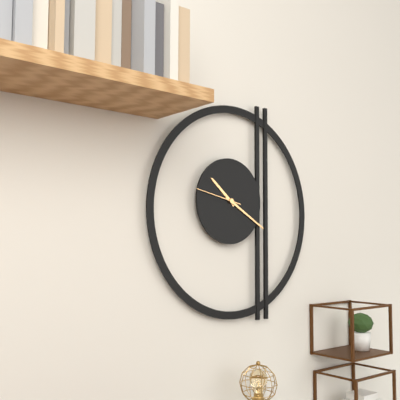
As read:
{"hour": 10, "minute": 20}
